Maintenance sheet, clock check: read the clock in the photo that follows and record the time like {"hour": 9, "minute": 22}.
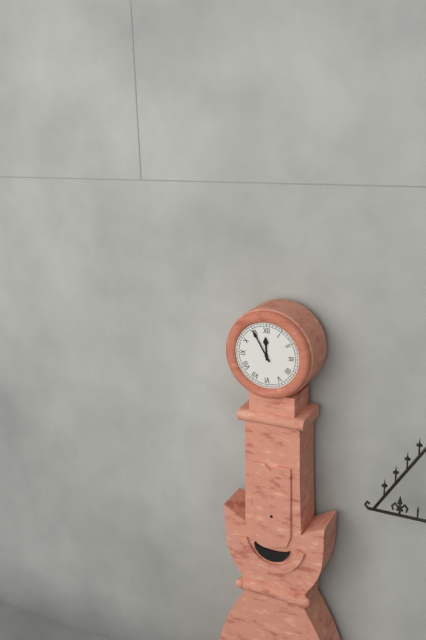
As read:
{"hour": 11, "minute": 55}
